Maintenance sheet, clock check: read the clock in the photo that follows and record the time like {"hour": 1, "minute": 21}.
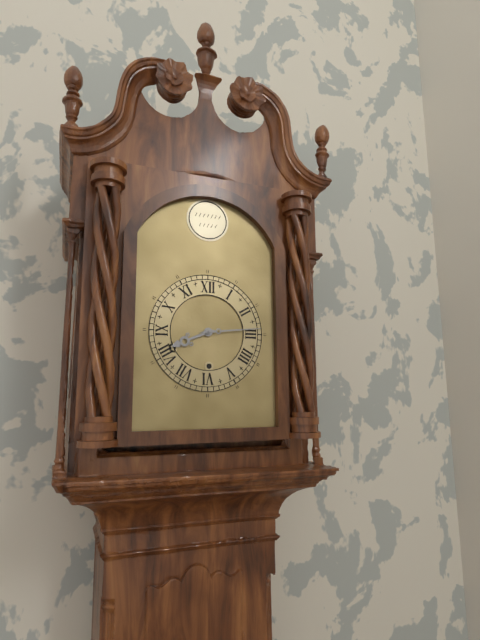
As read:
{"hour": 8, "minute": 14}
